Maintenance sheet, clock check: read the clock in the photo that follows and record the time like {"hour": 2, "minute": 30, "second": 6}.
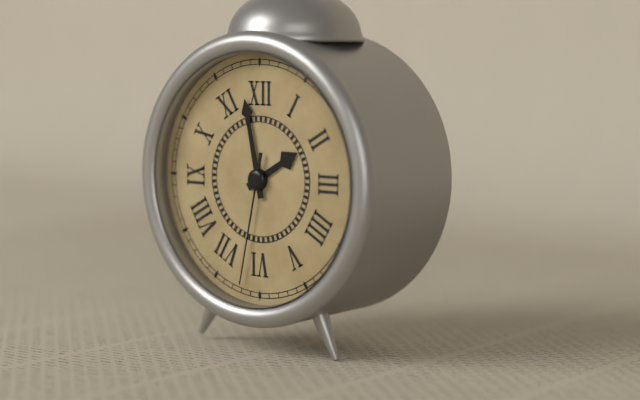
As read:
{"hour": 1, "minute": 58, "second": 32}
